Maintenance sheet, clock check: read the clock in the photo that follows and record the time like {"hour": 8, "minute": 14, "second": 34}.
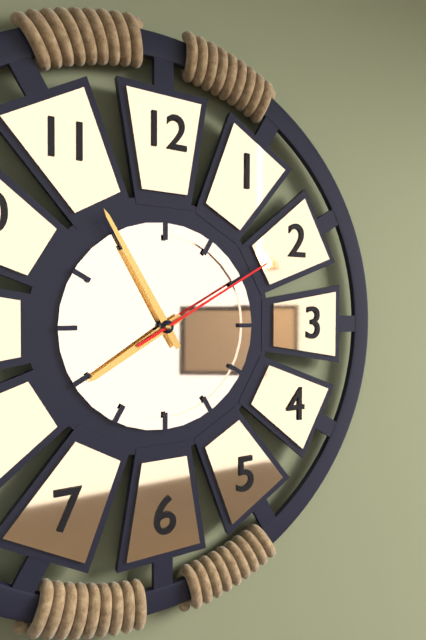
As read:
{"hour": 7, "minute": 55, "second": 10}
